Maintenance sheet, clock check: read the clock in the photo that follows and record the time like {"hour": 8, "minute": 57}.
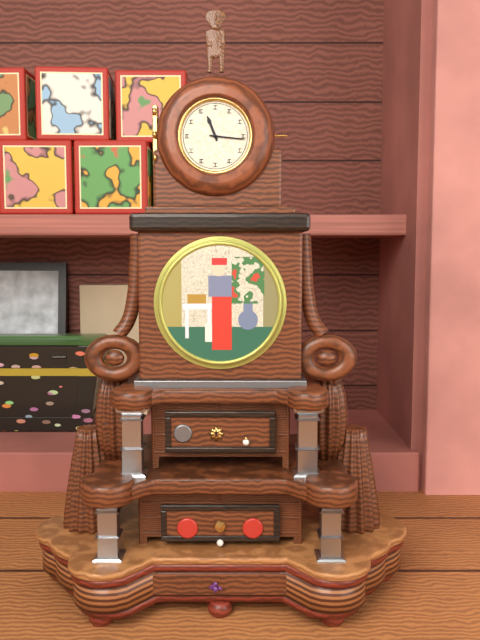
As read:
{"hour": 11, "minute": 16}
